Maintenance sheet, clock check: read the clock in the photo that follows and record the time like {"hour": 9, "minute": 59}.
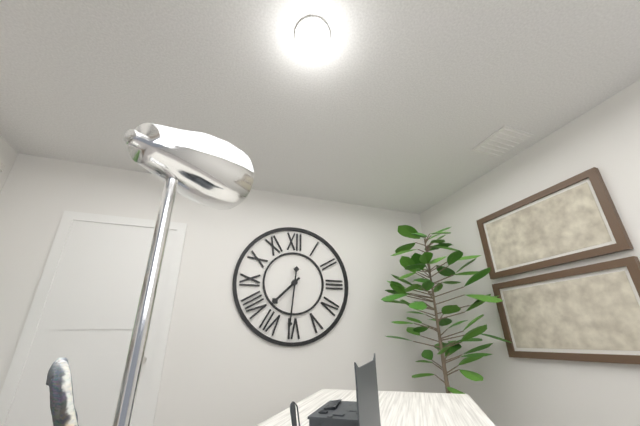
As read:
{"hour": 7, "minute": 31}
